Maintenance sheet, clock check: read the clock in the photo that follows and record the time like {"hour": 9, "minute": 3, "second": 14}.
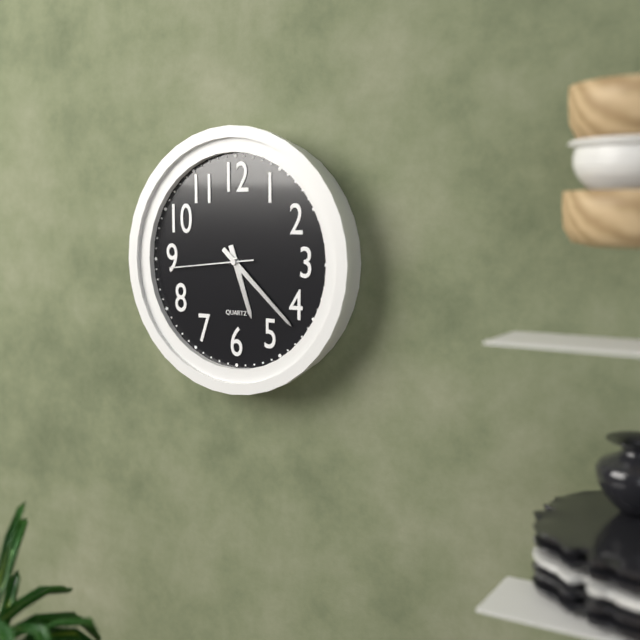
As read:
{"hour": 5, "minute": 22, "second": 44}
